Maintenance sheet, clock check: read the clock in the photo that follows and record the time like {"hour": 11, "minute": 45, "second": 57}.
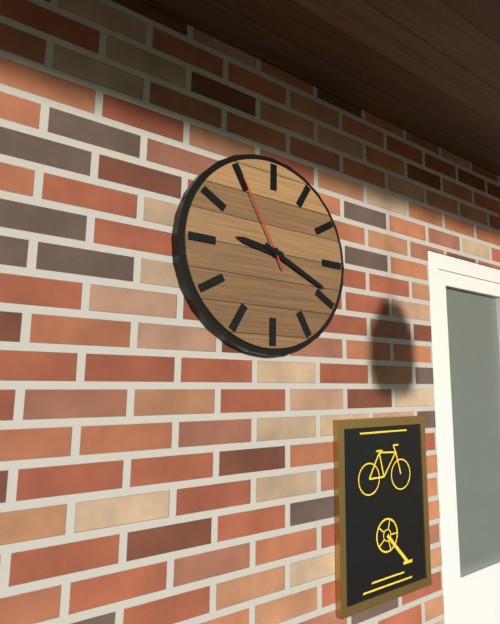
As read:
{"hour": 9, "minute": 19, "second": 55}
